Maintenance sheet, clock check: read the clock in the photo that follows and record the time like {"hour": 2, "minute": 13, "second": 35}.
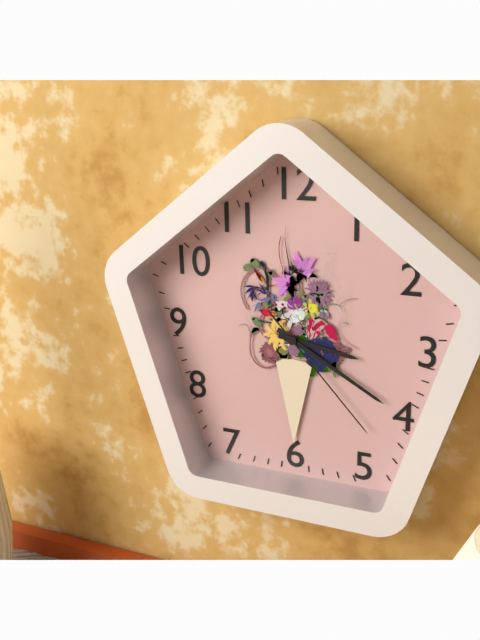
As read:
{"hour": 3, "minute": 20, "second": 23}
